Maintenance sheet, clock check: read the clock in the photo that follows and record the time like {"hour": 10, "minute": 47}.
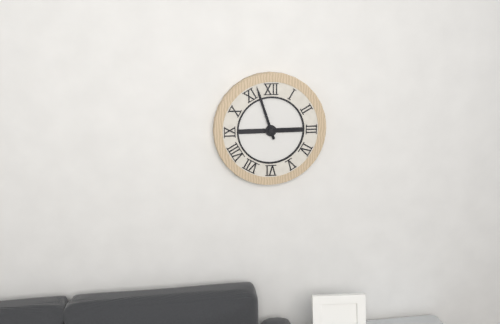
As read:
{"hour": 2, "minute": 57}
